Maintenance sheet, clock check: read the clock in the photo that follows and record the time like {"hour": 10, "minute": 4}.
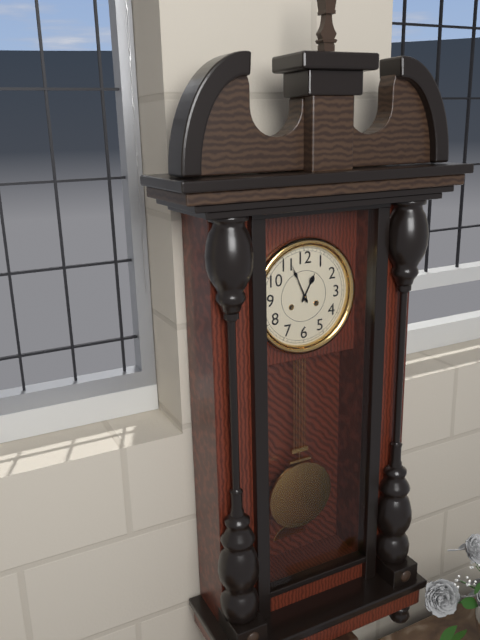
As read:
{"hour": 12, "minute": 56}
